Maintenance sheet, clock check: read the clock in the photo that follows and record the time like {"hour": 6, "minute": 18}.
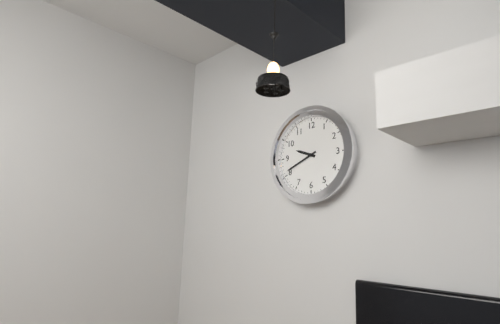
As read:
{"hour": 9, "minute": 41}
